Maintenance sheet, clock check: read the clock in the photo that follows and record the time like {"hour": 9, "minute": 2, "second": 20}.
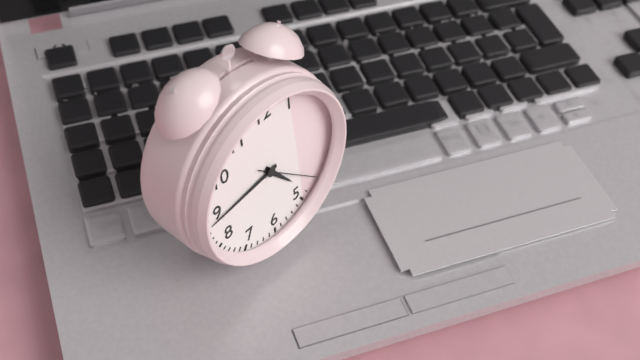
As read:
{"hour": 4, "minute": 44, "second": 22}
